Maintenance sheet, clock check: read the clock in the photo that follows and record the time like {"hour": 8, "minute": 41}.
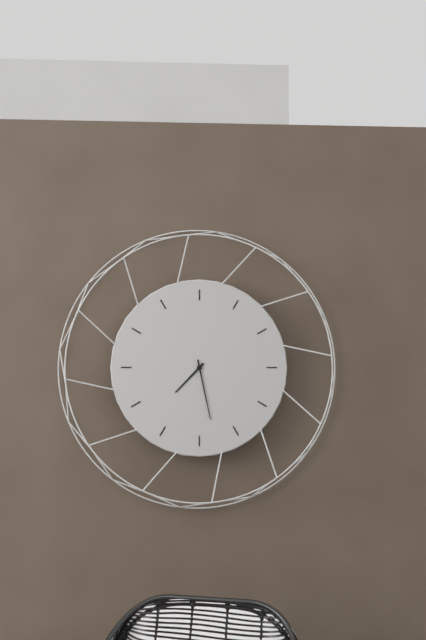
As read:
{"hour": 7, "minute": 28}
